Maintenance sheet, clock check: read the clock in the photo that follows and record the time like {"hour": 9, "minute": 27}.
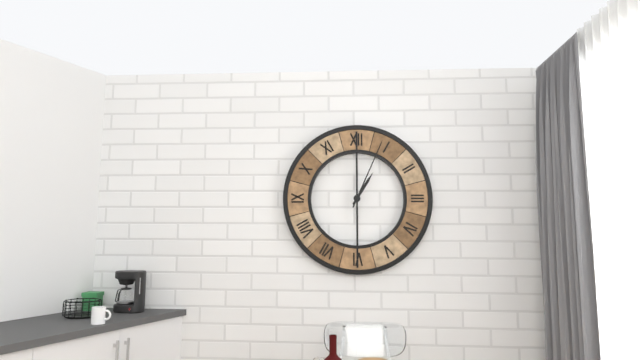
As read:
{"hour": 1, "minute": 4}
